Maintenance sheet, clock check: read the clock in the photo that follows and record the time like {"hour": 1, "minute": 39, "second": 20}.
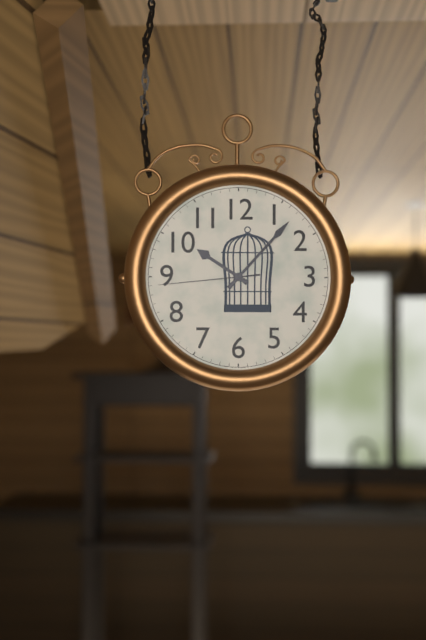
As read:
{"hour": 10, "minute": 7, "second": 44}
